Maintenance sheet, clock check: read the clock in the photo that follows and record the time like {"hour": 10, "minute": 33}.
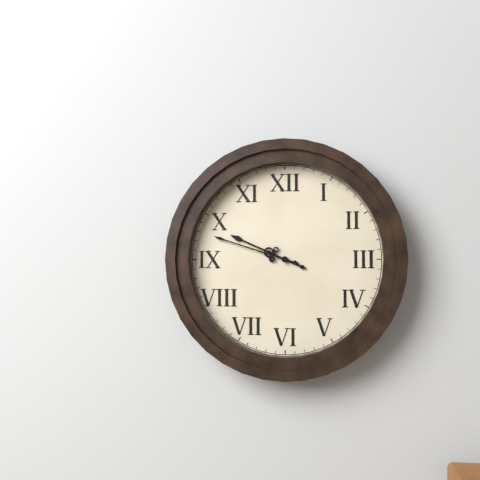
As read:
{"hour": 9, "minute": 48}
